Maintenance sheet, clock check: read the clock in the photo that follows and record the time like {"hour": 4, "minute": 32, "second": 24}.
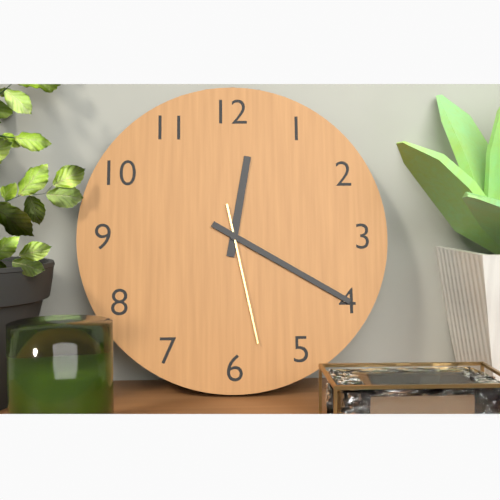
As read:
{"hour": 12, "minute": 20, "second": 28}
